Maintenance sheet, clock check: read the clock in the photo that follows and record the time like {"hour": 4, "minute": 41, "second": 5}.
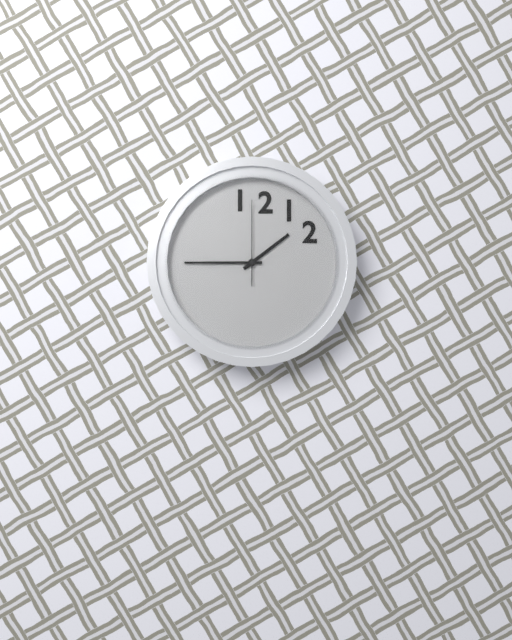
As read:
{"hour": 1, "minute": 45, "second": 0}
